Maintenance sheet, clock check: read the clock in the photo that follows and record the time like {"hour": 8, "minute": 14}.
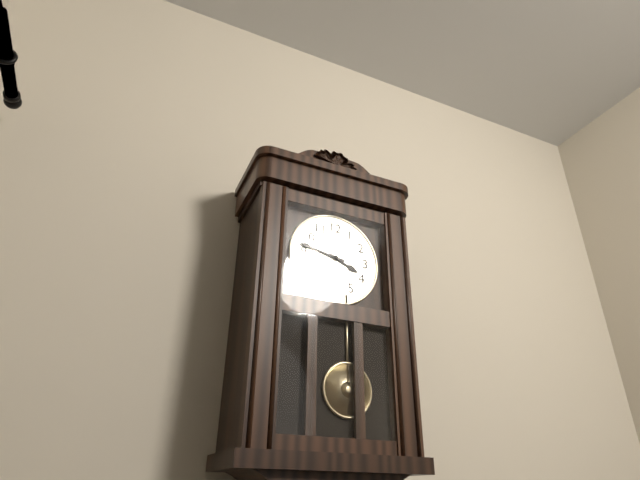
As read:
{"hour": 3, "minute": 47}
